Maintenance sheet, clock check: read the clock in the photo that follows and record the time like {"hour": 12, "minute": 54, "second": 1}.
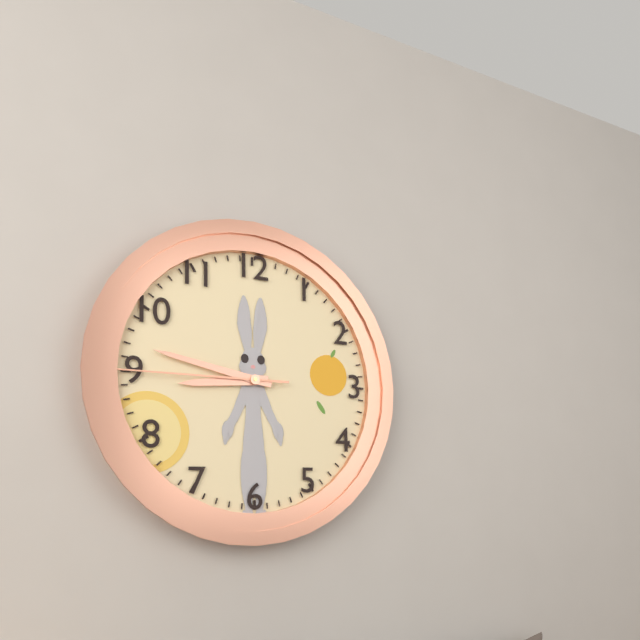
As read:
{"hour": 8, "minute": 47, "second": 45}
